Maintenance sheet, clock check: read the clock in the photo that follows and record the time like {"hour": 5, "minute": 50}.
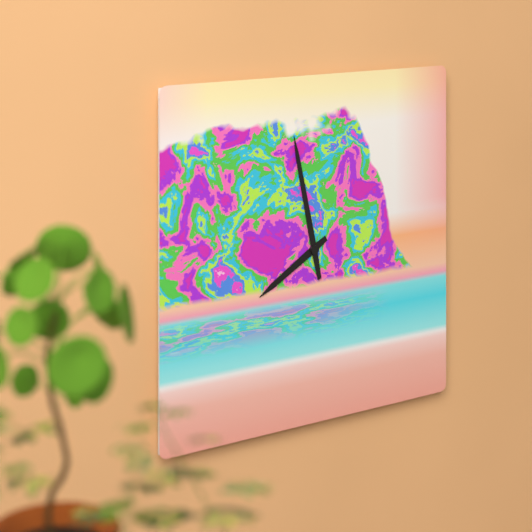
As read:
{"hour": 7, "minute": 58}
